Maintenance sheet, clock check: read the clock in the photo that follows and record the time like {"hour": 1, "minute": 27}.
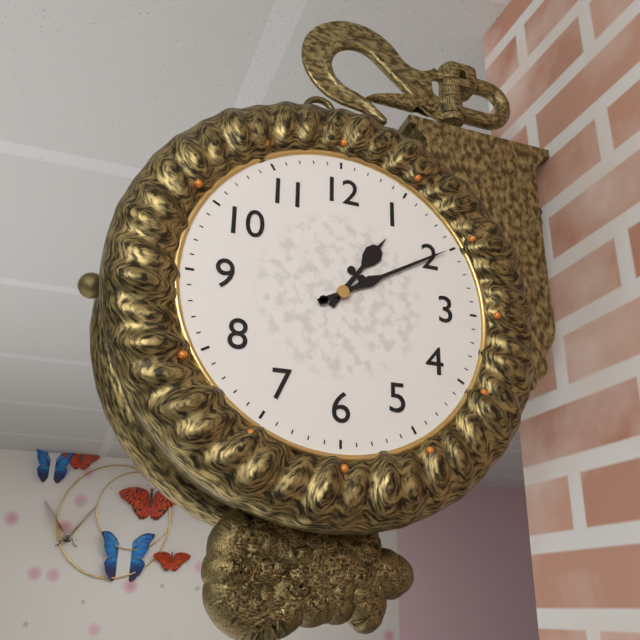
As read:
{"hour": 1, "minute": 10}
